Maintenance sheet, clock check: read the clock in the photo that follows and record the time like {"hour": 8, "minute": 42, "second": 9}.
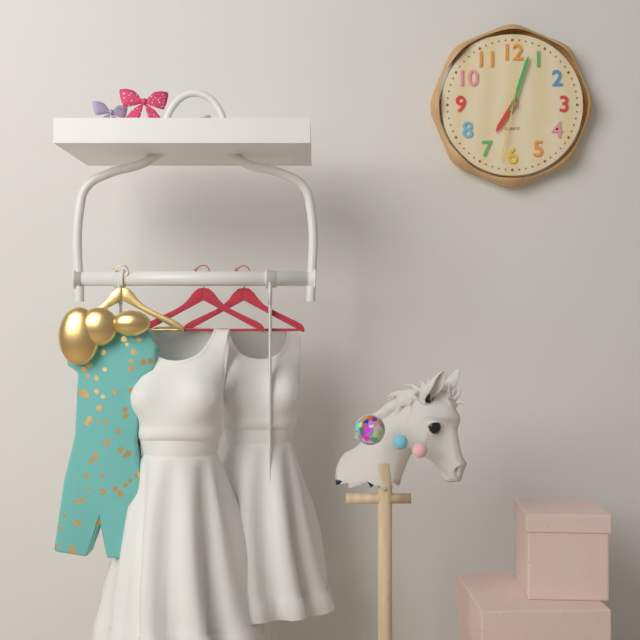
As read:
{"hour": 7, "minute": 3, "second": 32}
